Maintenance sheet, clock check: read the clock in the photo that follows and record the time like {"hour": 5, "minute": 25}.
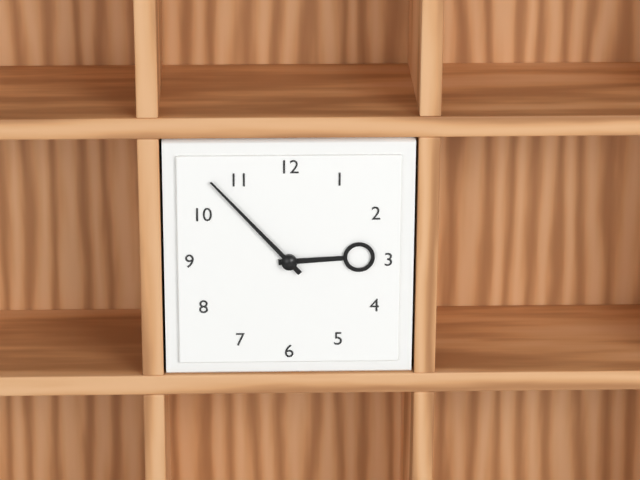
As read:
{"hour": 2, "minute": 53}
